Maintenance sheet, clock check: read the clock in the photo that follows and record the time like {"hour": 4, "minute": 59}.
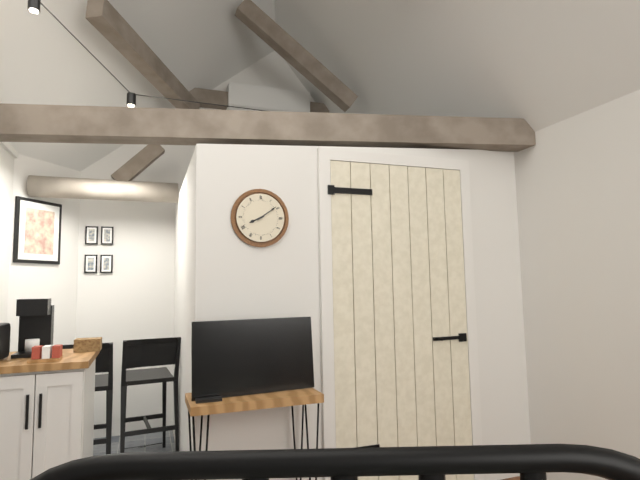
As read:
{"hour": 8, "minute": 9}
